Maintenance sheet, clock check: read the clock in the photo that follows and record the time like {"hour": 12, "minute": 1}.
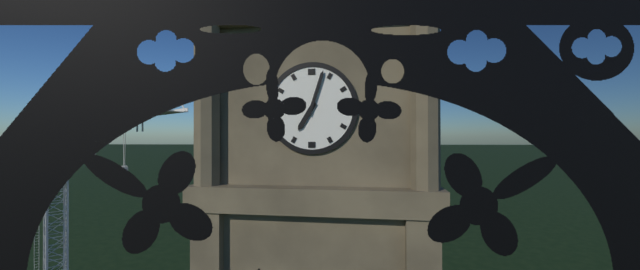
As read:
{"hour": 7, "minute": 3}
